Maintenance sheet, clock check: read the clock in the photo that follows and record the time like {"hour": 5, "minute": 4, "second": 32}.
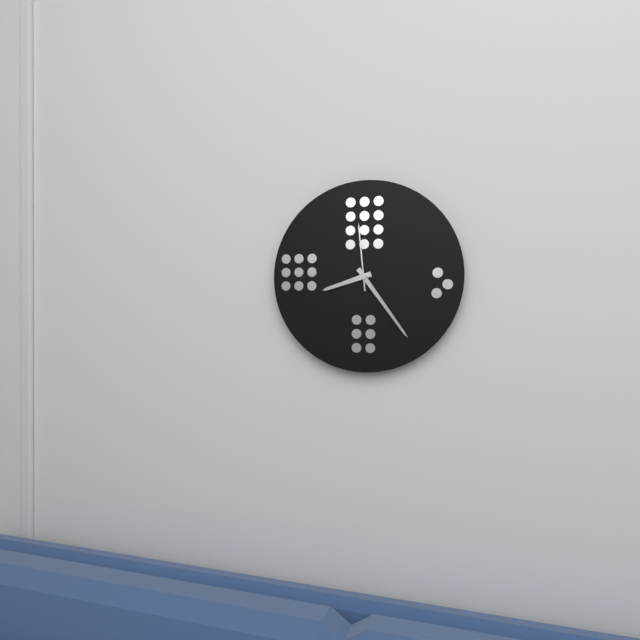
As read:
{"hour": 8, "minute": 24, "second": 59}
